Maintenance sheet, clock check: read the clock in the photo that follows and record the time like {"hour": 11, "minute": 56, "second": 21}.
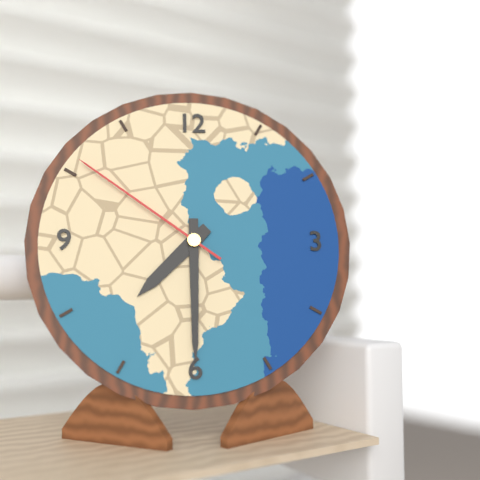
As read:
{"hour": 7, "minute": 30, "second": 51}
